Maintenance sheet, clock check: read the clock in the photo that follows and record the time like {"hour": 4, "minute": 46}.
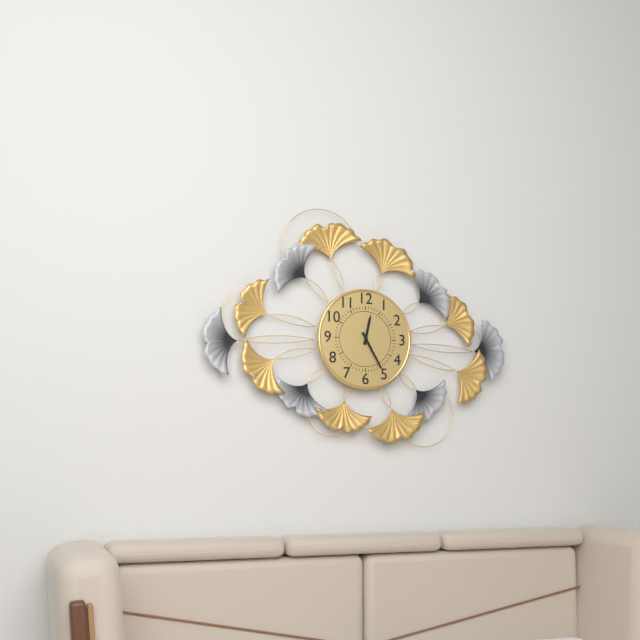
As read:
{"hour": 12, "minute": 25}
